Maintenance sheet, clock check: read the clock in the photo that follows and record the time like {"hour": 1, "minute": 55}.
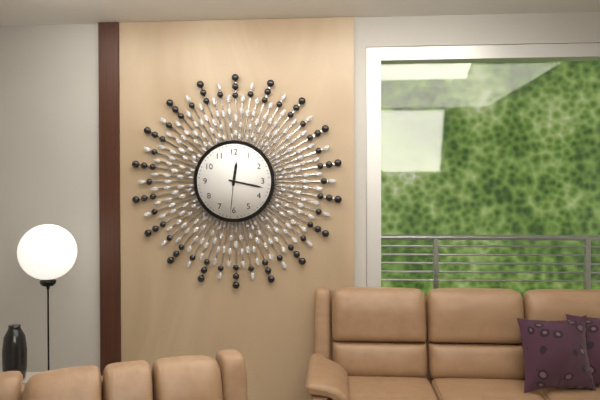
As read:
{"hour": 12, "minute": 17}
